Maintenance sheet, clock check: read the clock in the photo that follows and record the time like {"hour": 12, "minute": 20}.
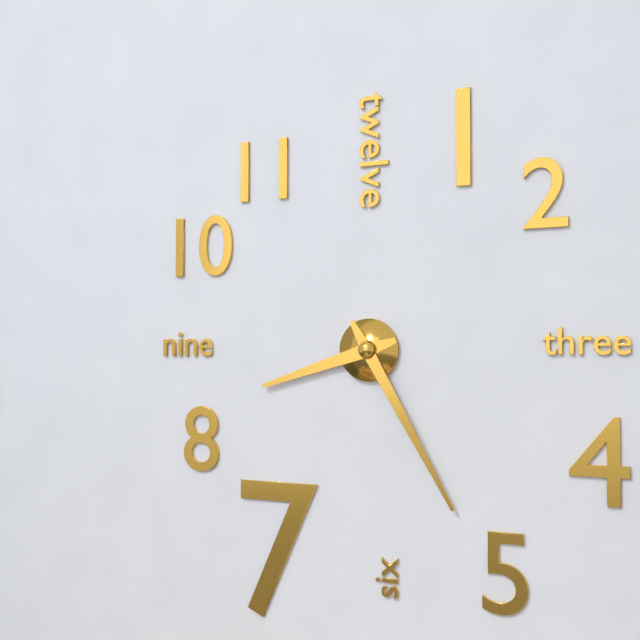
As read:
{"hour": 8, "minute": 25}
